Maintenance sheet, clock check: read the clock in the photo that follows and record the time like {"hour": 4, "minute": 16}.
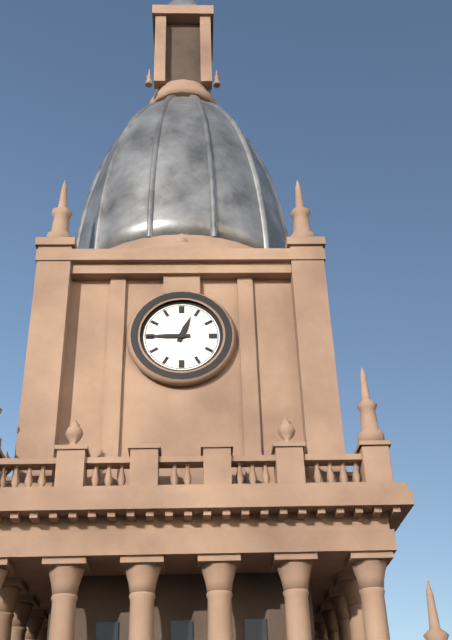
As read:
{"hour": 12, "minute": 45}
